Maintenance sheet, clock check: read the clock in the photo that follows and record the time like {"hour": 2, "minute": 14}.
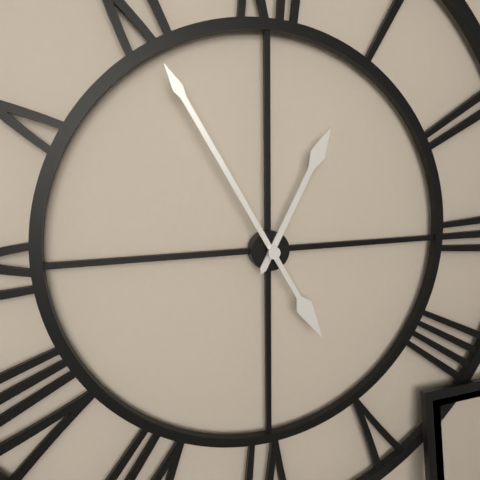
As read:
{"hour": 12, "minute": 55}
